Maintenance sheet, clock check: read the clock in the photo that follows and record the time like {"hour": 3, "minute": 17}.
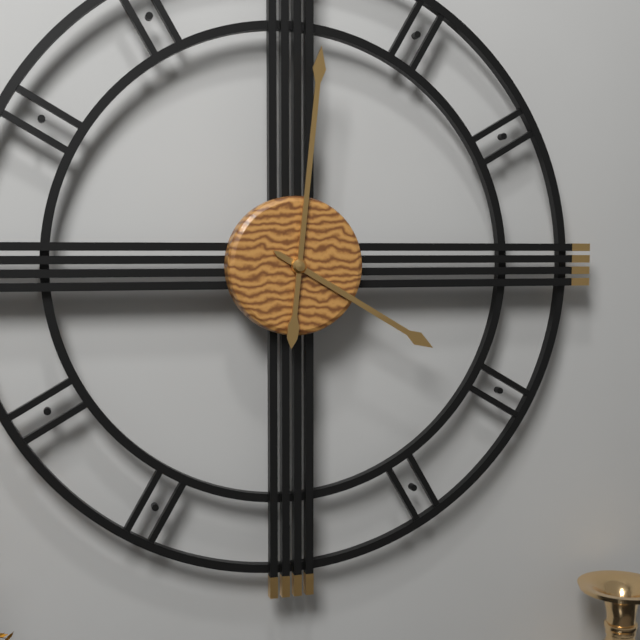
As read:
{"hour": 4, "minute": 1}
